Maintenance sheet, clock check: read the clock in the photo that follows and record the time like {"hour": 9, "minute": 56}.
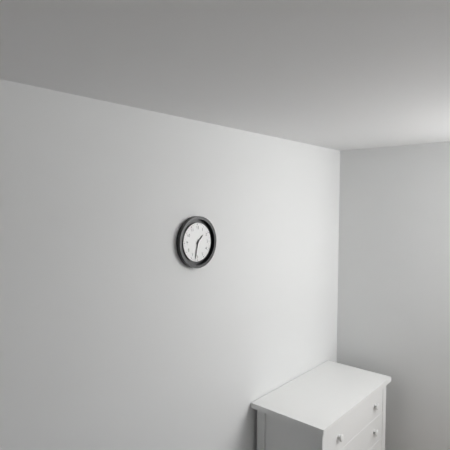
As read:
{"hour": 1, "minute": 32}
